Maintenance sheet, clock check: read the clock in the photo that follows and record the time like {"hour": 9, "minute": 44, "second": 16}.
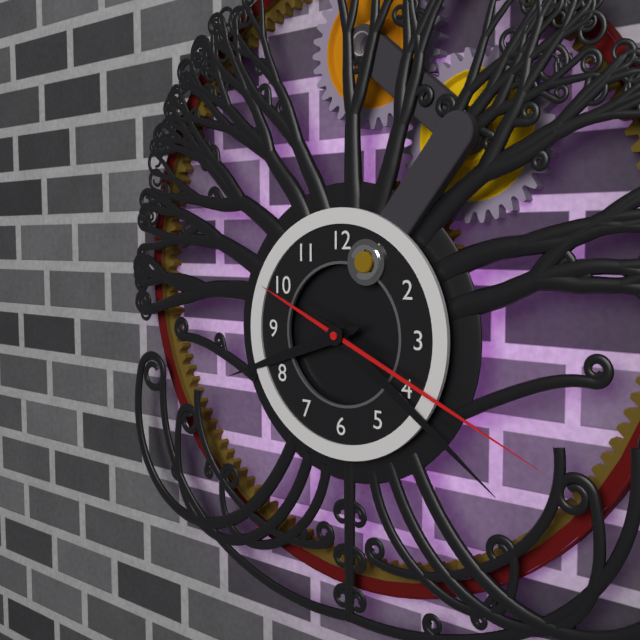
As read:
{"hour": 8, "minute": 21, "second": 19}
